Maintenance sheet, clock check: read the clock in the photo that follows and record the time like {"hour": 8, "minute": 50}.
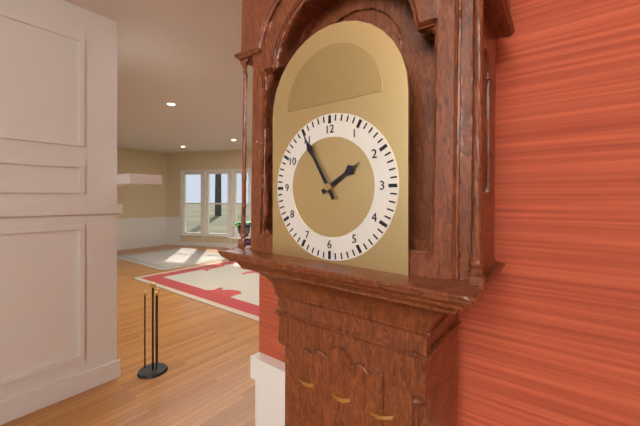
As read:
{"hour": 1, "minute": 55}
